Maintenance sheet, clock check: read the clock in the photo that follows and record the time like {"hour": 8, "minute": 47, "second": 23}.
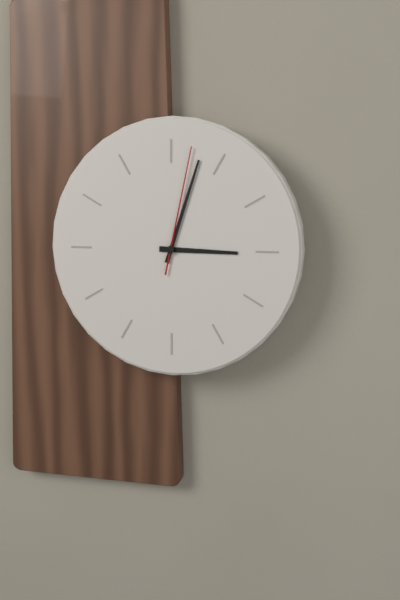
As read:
{"hour": 3, "minute": 3, "second": 2}
